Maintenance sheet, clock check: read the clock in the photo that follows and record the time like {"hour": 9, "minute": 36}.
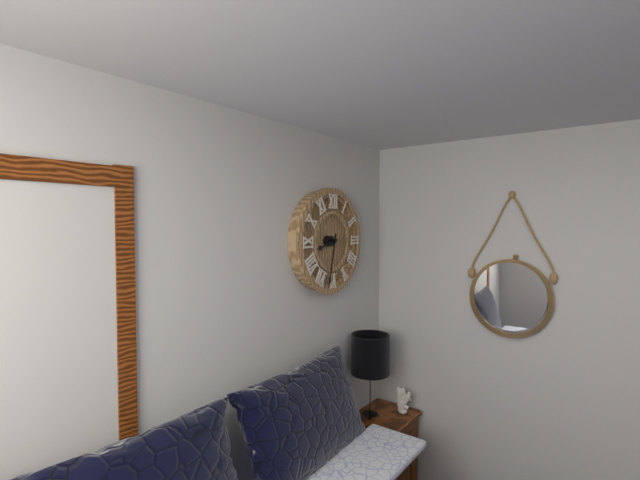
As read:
{"hour": 8, "minute": 32}
